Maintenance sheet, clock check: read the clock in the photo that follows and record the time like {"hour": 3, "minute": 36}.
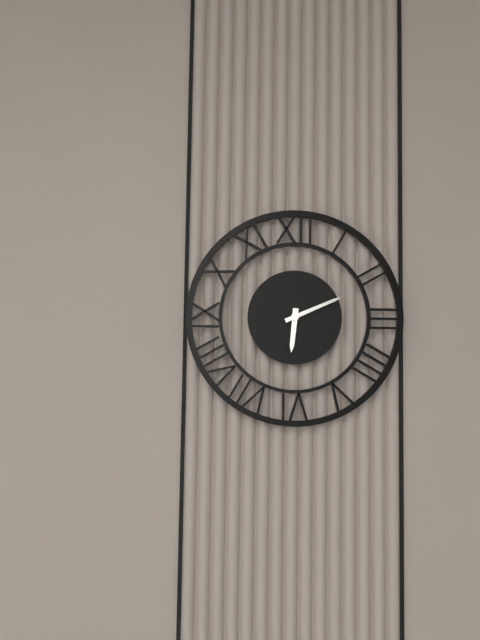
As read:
{"hour": 6, "minute": 11}
